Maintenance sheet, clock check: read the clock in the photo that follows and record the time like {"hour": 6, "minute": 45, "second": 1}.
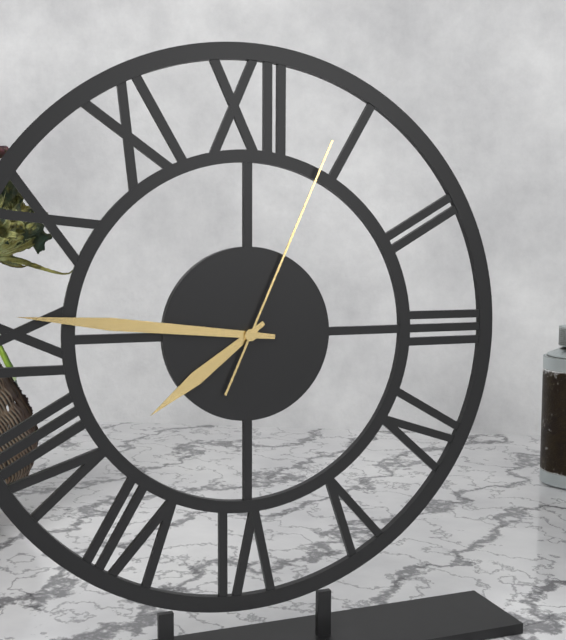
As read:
{"hour": 7, "minute": 46, "second": 4}
